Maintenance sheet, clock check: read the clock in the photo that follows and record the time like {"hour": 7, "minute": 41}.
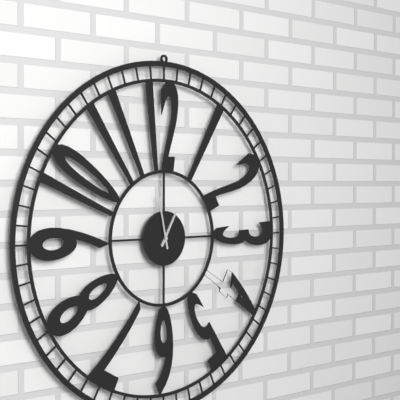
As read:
{"hour": 12, "minute": 58}
